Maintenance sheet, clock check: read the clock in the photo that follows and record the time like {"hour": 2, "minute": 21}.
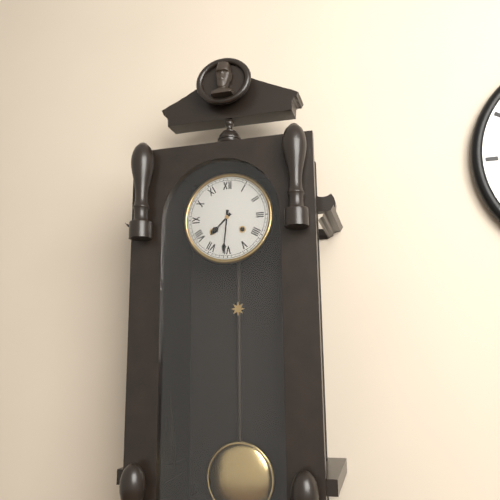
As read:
{"hour": 7, "minute": 31}
